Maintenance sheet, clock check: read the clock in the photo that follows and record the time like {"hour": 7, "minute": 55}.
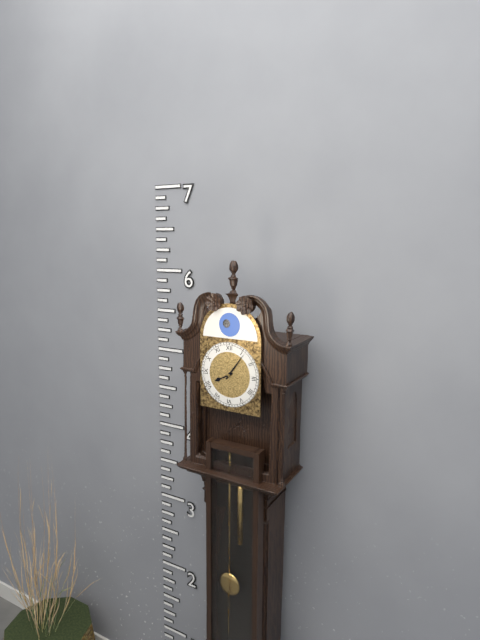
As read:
{"hour": 8, "minute": 6}
